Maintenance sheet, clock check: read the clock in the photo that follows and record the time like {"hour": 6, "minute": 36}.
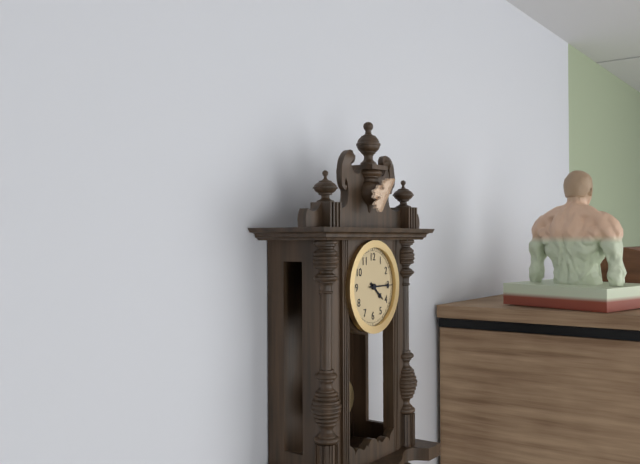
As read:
{"hour": 4, "minute": 15}
